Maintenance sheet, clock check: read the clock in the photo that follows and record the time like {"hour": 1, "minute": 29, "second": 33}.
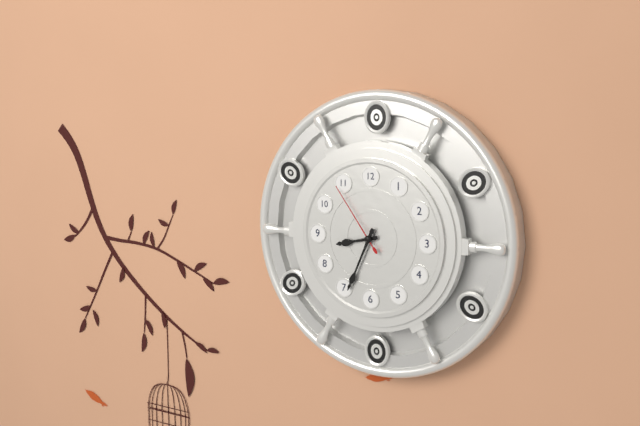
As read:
{"hour": 8, "minute": 34, "second": 54}
